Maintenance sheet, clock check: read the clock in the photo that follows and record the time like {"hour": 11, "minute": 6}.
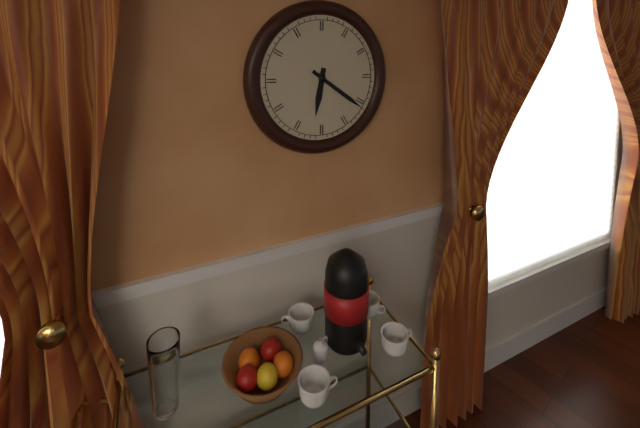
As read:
{"hour": 6, "minute": 21}
